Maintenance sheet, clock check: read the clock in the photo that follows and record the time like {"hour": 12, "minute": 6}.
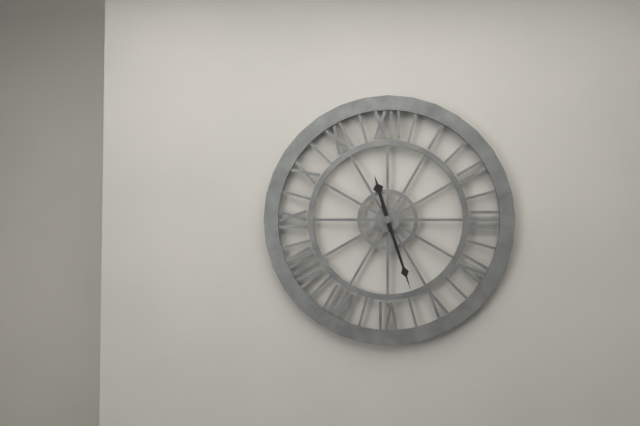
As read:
{"hour": 11, "minute": 27}
